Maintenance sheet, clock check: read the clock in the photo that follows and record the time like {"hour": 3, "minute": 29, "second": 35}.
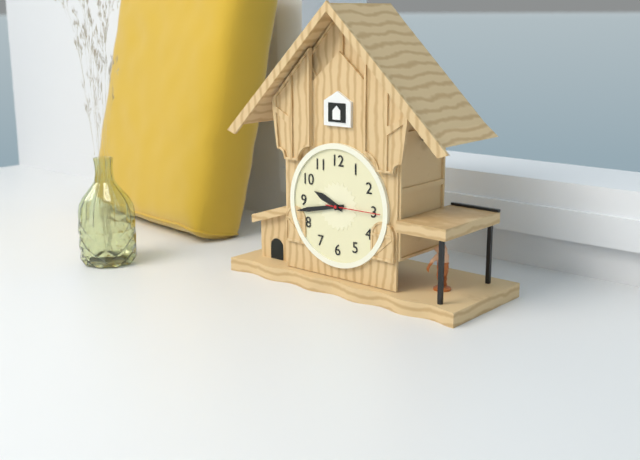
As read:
{"hour": 9, "minute": 43, "second": 15}
